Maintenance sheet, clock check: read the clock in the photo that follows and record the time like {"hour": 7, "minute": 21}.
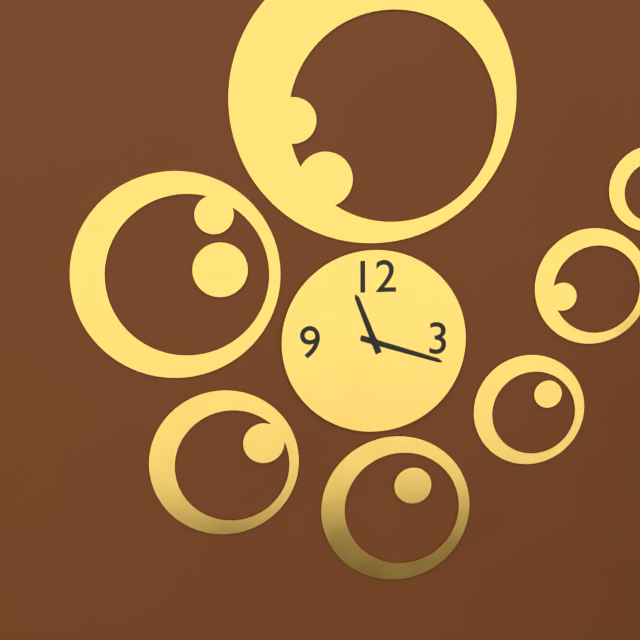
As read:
{"hour": 11, "minute": 18}
